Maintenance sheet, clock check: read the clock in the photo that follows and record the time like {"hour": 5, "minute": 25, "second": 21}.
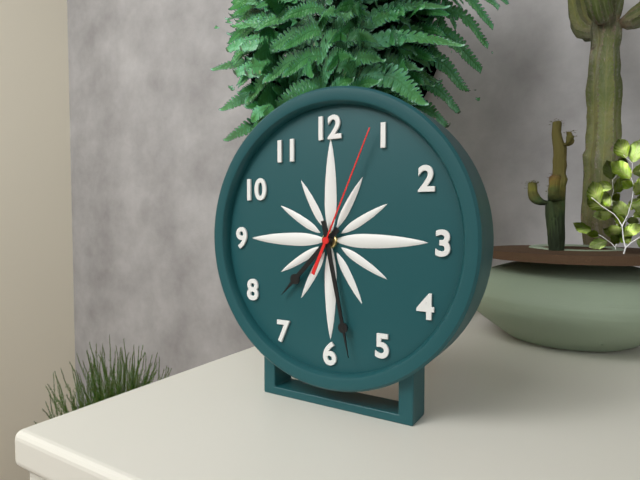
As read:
{"hour": 7, "minute": 28, "second": 4}
